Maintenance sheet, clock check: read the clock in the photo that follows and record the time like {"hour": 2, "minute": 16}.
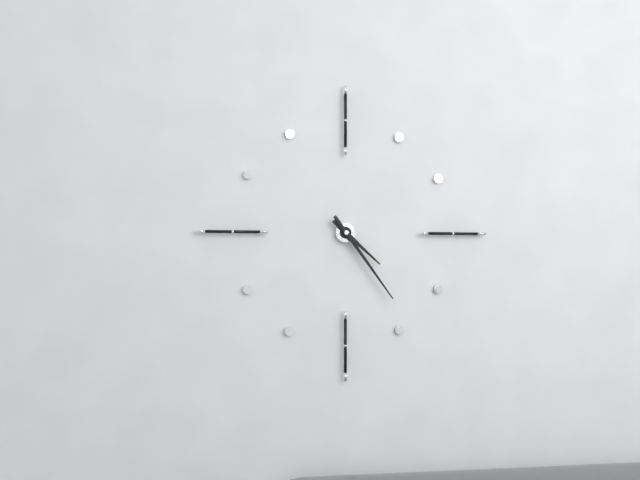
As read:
{"hour": 4, "minute": 24}
